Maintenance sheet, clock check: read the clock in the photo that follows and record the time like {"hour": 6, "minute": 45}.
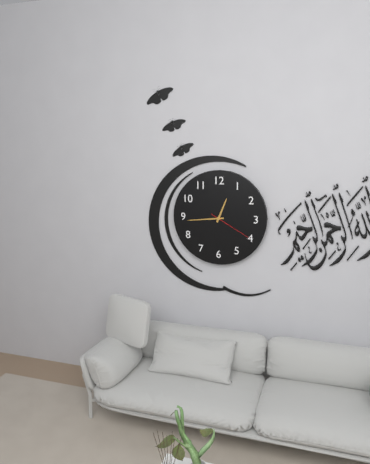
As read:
{"hour": 12, "minute": 44}
